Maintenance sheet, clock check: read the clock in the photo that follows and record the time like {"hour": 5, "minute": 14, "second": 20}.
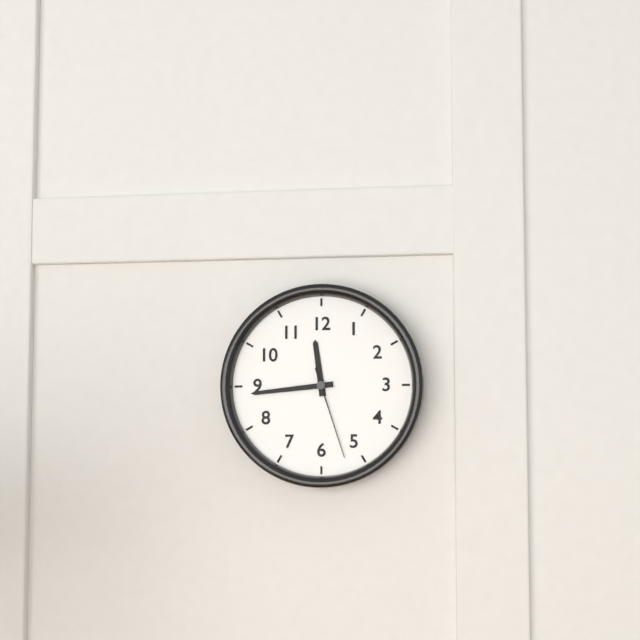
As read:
{"hour": 11, "minute": 44, "second": 27}
